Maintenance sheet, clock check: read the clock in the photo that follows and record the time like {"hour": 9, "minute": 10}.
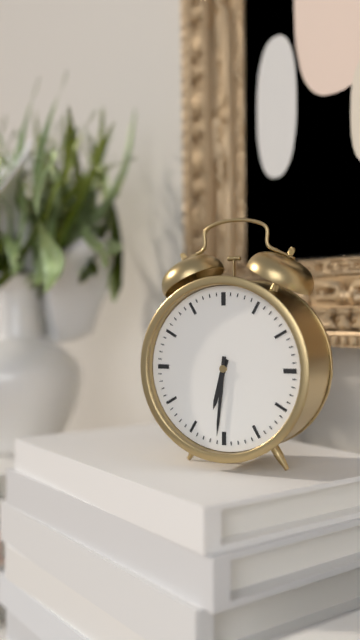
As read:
{"hour": 6, "minute": 31}
